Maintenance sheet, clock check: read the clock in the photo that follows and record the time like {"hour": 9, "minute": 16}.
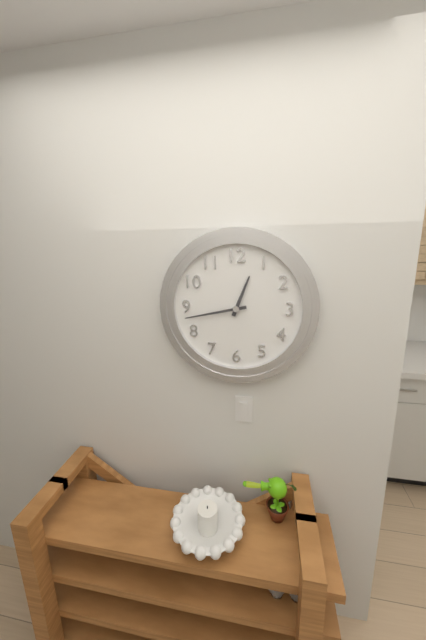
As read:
{"hour": 12, "minute": 43}
